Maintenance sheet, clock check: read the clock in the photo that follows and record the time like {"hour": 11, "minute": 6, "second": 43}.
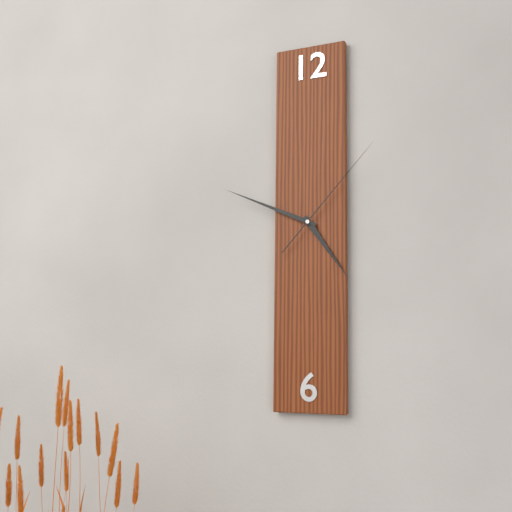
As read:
{"hour": 4, "minute": 49, "second": 7}
